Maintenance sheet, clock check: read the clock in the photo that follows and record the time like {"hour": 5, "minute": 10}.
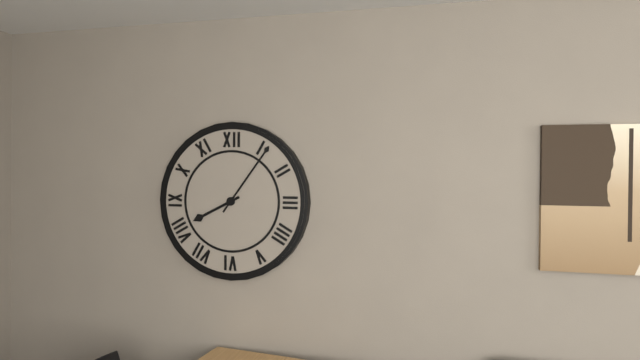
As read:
{"hour": 8, "minute": 6}
